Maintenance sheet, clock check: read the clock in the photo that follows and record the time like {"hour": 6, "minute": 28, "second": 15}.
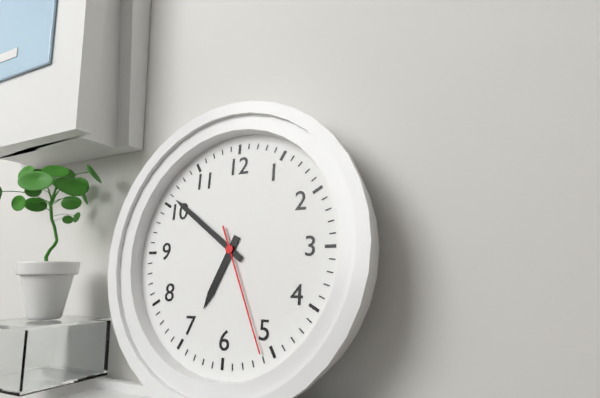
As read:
{"hour": 6, "minute": 51, "second": 26}
